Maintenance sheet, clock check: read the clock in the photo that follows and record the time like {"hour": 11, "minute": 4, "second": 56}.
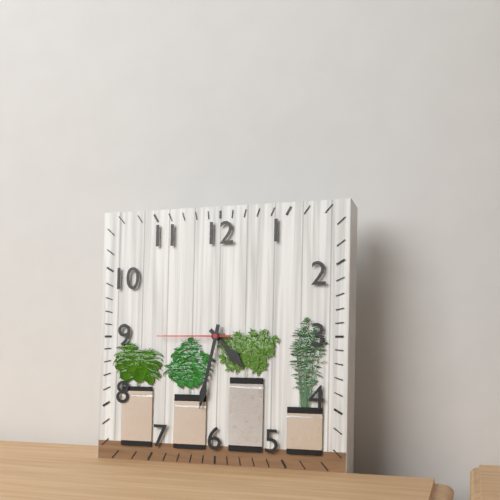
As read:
{"hour": 4, "minute": 32, "second": 45}
